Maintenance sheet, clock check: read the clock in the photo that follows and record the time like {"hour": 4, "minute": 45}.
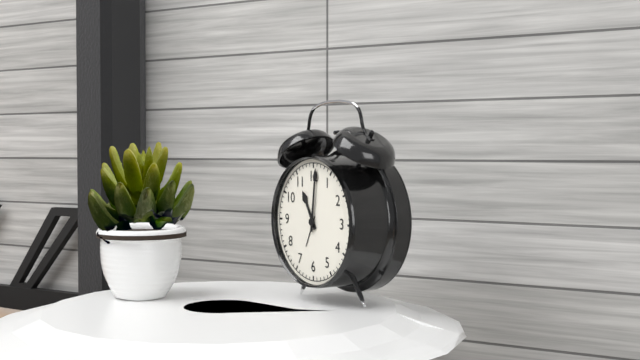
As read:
{"hour": 11, "minute": 1}
